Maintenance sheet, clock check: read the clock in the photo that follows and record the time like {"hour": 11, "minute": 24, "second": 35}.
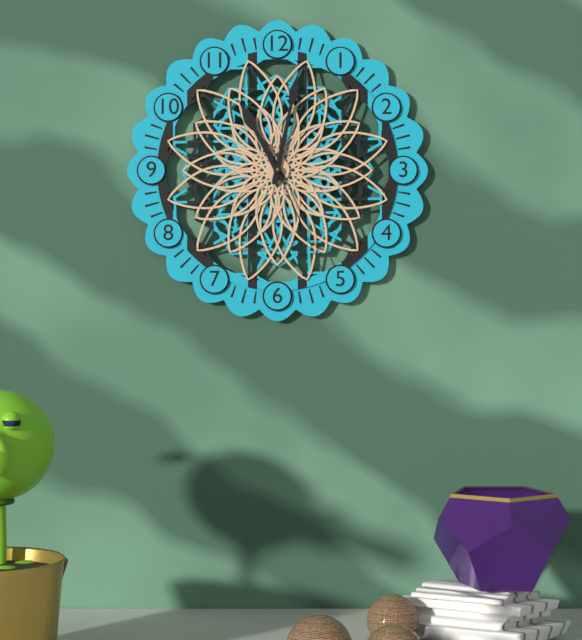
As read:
{"hour": 11, "minute": 2, "second": 26}
